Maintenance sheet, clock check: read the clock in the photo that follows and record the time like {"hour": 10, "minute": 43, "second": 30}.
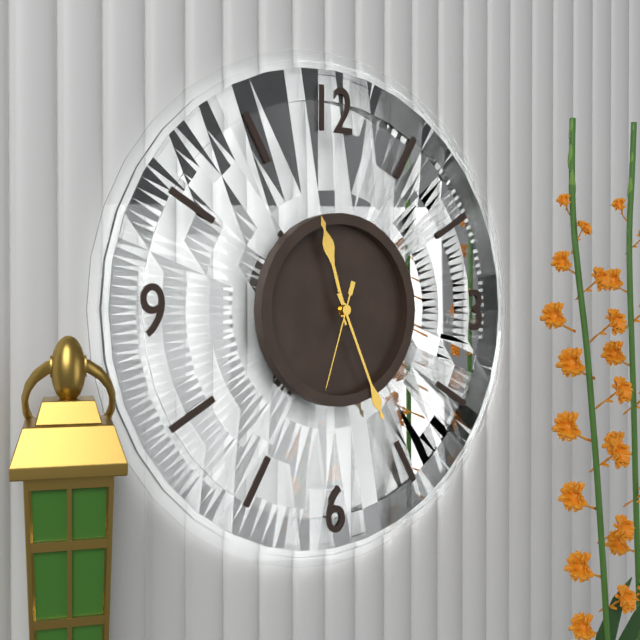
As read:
{"hour": 11, "minute": 26, "second": 33}
